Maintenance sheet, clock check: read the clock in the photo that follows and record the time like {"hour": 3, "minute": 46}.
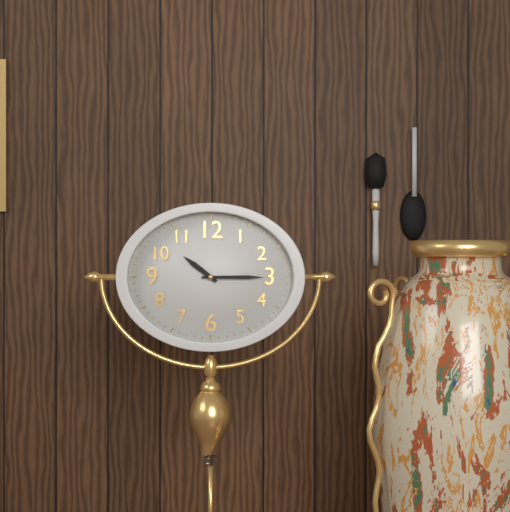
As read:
{"hour": 10, "minute": 15}
